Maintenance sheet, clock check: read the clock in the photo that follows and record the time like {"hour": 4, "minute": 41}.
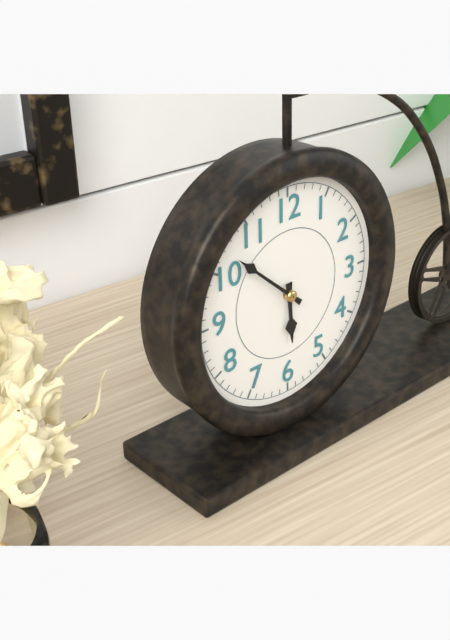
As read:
{"hour": 5, "minute": 52}
